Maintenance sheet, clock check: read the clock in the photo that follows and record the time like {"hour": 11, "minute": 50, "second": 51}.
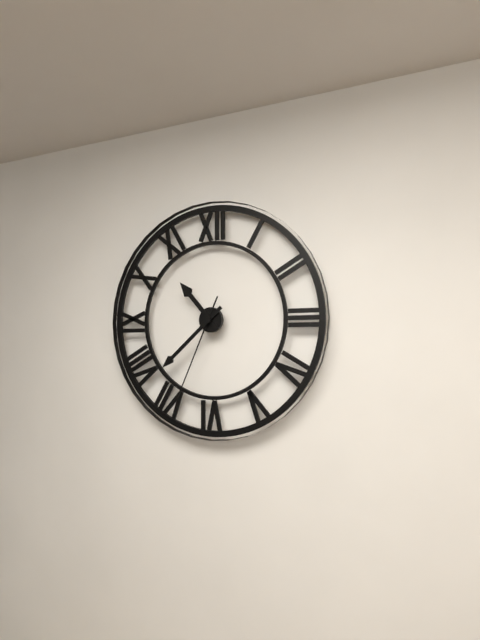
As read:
{"hour": 10, "minute": 38, "second": 34}
